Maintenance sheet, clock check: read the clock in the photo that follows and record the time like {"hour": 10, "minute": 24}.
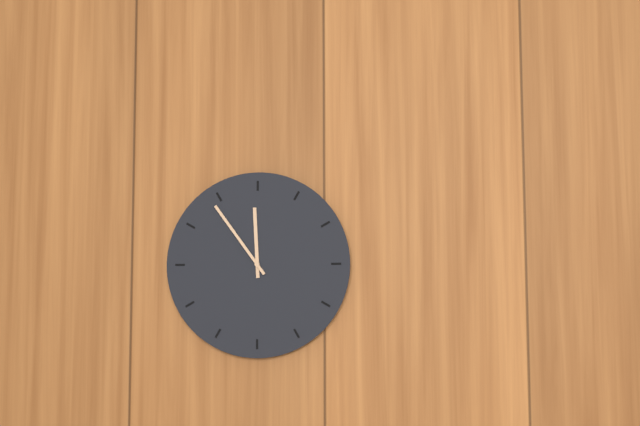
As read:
{"hour": 11, "minute": 54}
